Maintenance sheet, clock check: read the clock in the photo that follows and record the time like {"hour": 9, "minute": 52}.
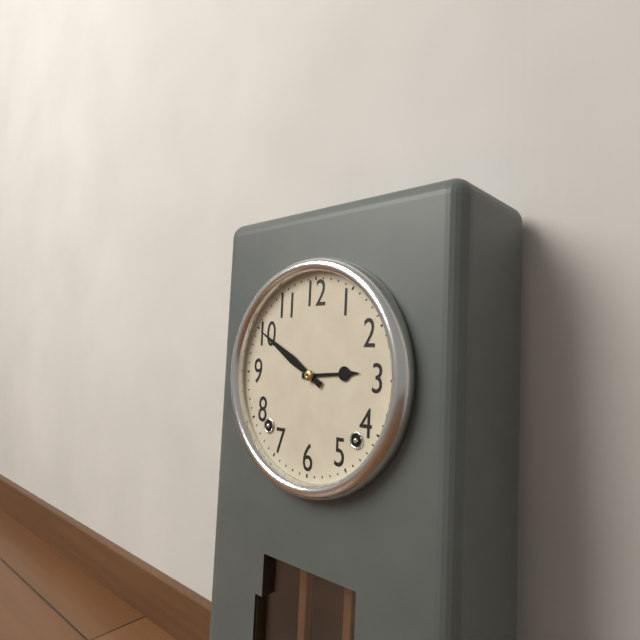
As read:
{"hour": 2, "minute": 50}
